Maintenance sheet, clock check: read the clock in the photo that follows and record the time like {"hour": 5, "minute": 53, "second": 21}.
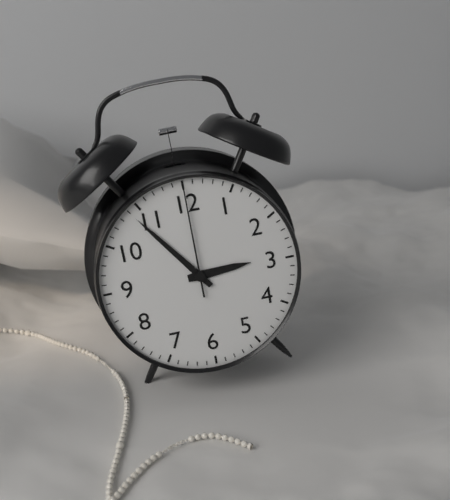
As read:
{"hour": 2, "minute": 54, "second": 0}
